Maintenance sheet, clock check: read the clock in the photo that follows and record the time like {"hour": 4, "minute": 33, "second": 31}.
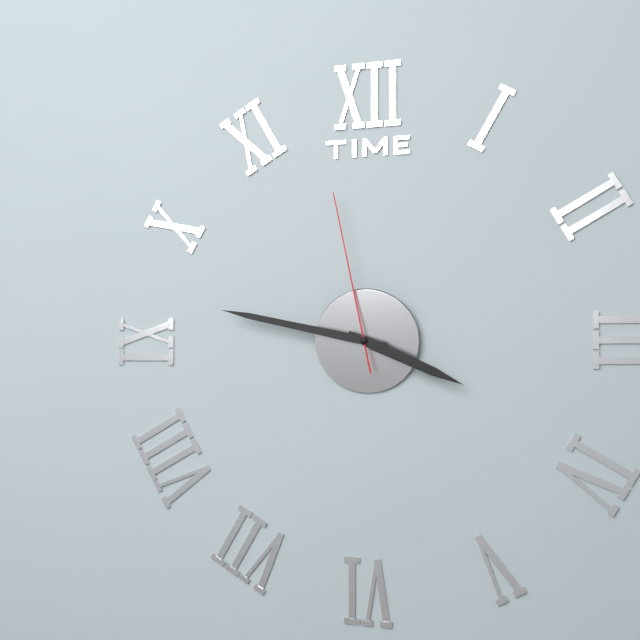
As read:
{"hour": 3, "minute": 47, "second": 58}
